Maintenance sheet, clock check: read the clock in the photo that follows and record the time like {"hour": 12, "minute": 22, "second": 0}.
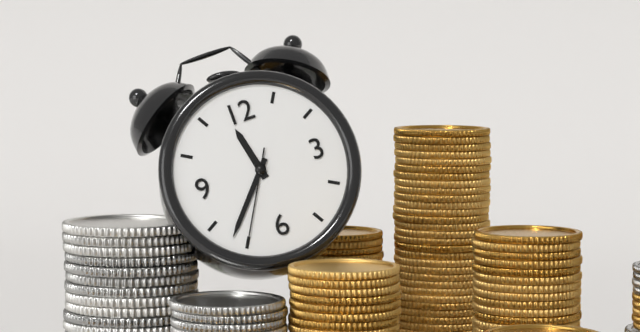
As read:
{"hour": 11, "minute": 37, "second": 35}
